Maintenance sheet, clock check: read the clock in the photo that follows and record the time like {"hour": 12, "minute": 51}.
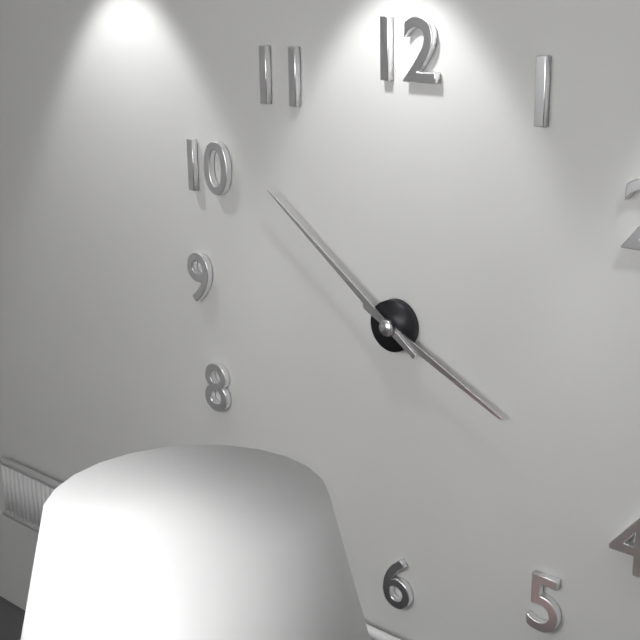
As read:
{"hour": 3, "minute": 51}
